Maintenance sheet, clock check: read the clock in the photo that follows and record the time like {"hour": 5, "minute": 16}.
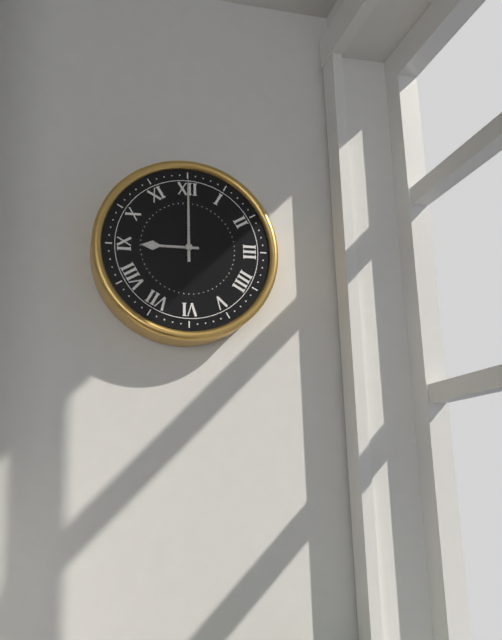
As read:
{"hour": 9, "minute": 0}
